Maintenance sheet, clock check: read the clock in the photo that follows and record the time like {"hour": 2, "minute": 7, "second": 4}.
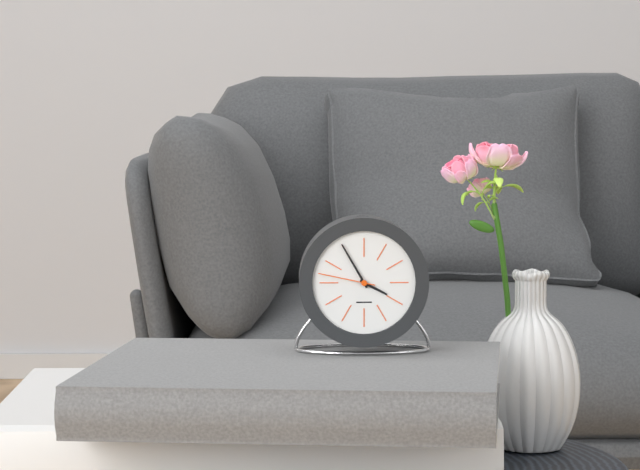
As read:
{"hour": 3, "minute": 55, "second": 47}
